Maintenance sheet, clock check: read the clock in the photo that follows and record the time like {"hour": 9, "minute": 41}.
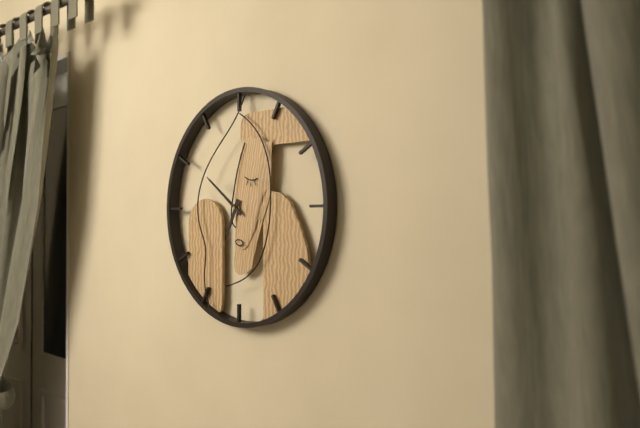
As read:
{"hour": 6, "minute": 51}
